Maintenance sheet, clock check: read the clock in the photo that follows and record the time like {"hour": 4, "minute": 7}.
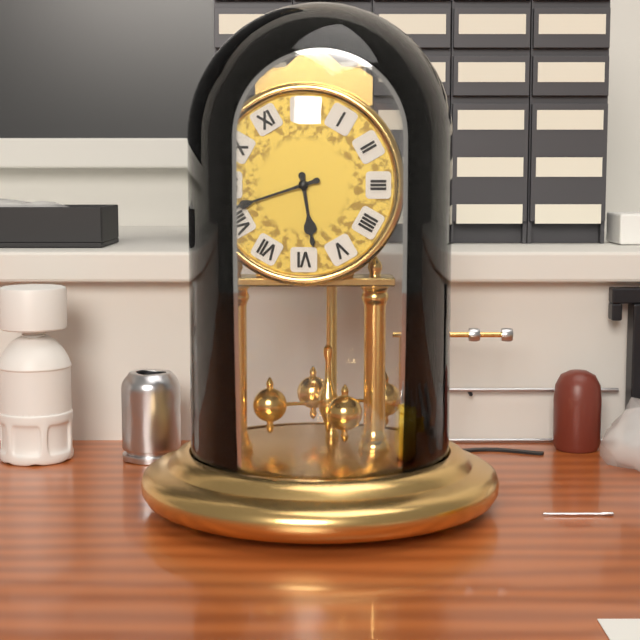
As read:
{"hour": 5, "minute": 42}
